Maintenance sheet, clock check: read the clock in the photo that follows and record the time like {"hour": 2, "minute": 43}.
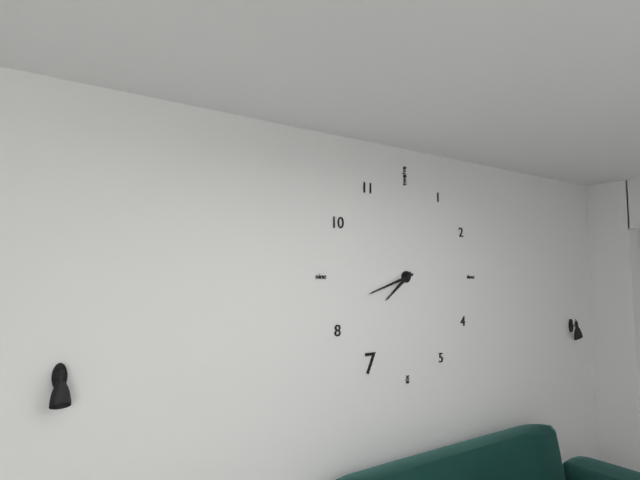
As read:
{"hour": 7, "minute": 42}
